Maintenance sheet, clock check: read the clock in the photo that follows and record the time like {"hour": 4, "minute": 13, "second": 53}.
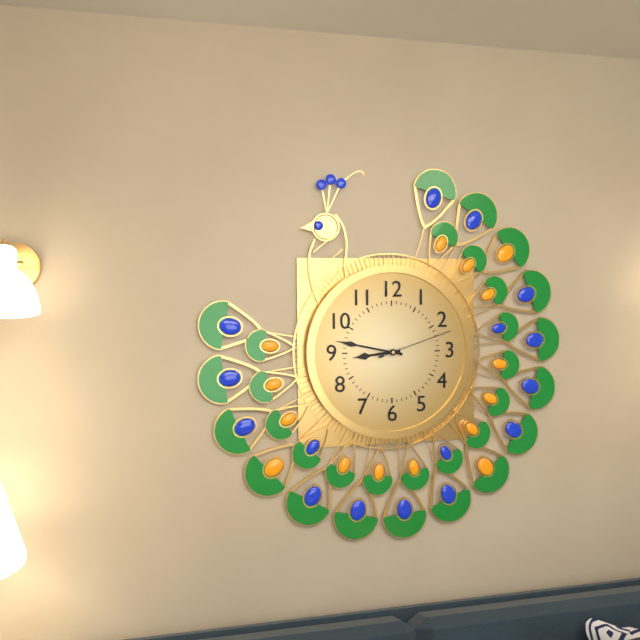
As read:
{"hour": 8, "minute": 47, "second": 12}
